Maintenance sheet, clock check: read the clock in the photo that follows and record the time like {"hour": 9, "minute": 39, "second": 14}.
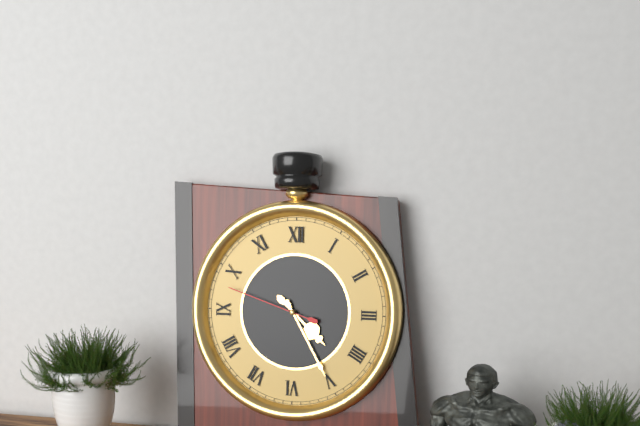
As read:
{"hour": 4, "minute": 25, "second": 48}
